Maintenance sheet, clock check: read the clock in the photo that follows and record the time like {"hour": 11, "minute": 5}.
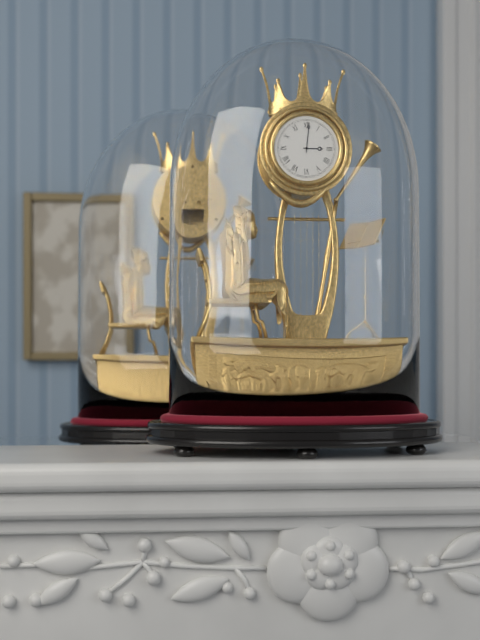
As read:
{"hour": 3, "minute": 1}
